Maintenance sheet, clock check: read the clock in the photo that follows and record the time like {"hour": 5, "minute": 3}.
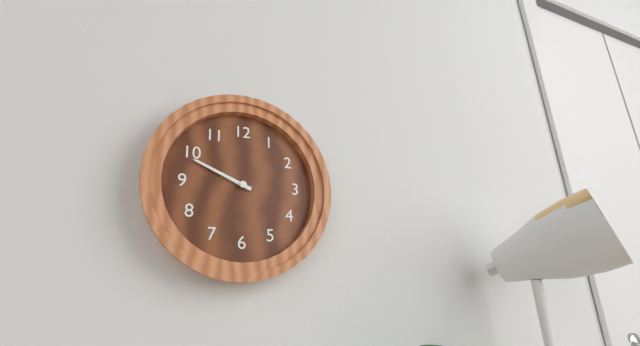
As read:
{"hour": 9, "minute": 49}
